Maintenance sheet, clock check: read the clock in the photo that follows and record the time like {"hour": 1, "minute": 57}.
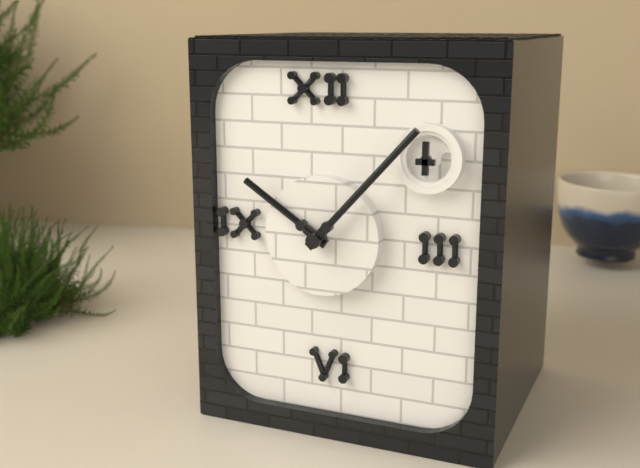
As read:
{"hour": 10, "minute": 7}
